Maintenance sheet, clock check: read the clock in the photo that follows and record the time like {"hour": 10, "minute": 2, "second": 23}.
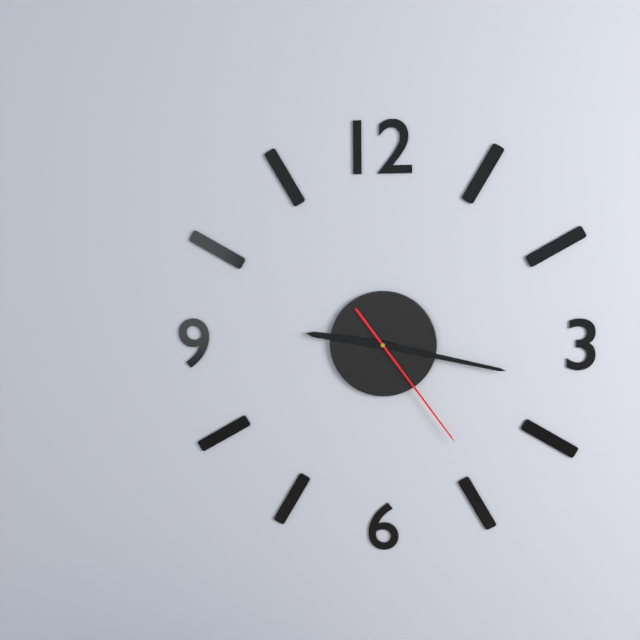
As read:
{"hour": 9, "minute": 17, "second": 24}
